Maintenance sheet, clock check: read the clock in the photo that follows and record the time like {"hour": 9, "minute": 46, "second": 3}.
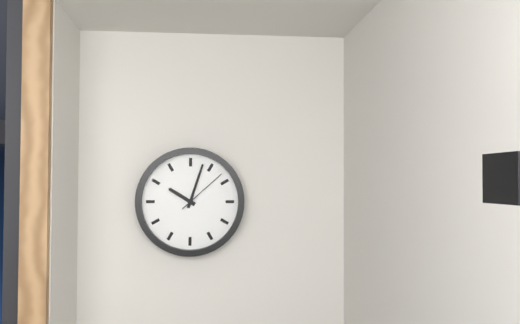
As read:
{"hour": 10, "minute": 3, "second": 8}
